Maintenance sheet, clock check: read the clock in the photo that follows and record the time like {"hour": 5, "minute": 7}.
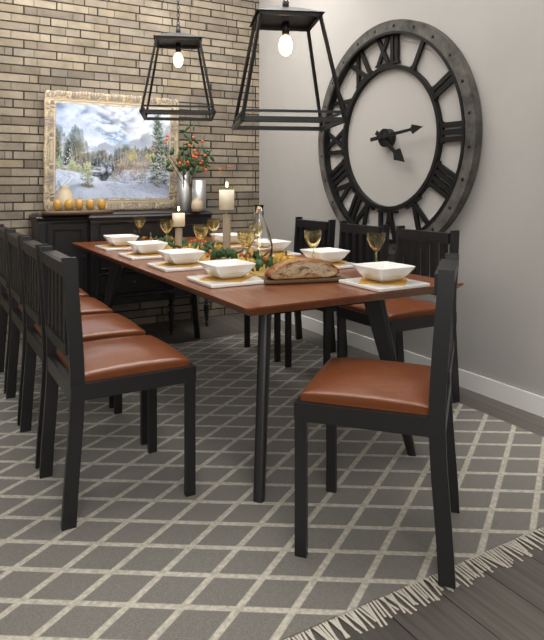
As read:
{"hour": 4, "minute": 14}
